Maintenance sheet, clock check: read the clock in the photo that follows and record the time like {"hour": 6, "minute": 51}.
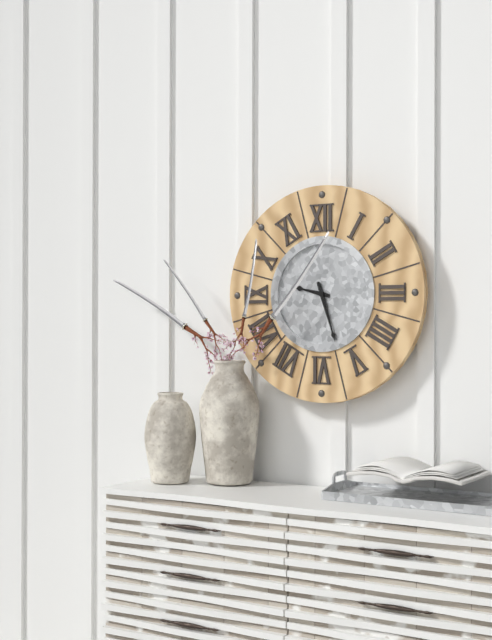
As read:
{"hour": 9, "minute": 27}
